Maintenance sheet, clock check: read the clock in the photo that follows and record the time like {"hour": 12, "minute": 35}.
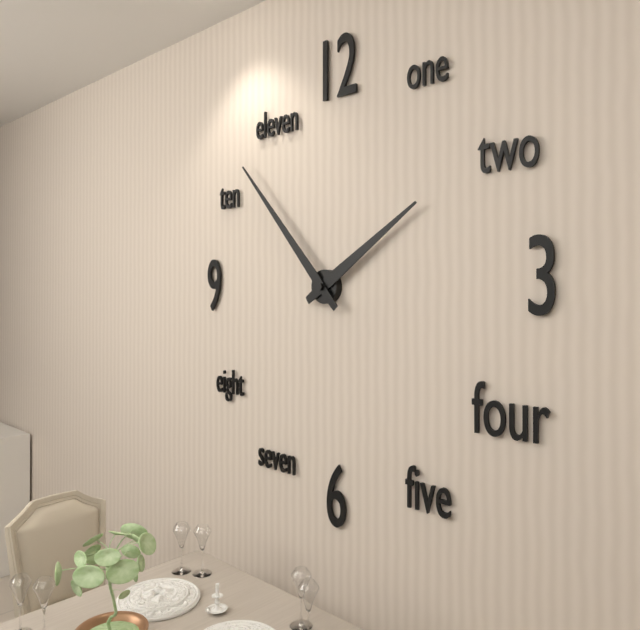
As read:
{"hour": 1, "minute": 53}
